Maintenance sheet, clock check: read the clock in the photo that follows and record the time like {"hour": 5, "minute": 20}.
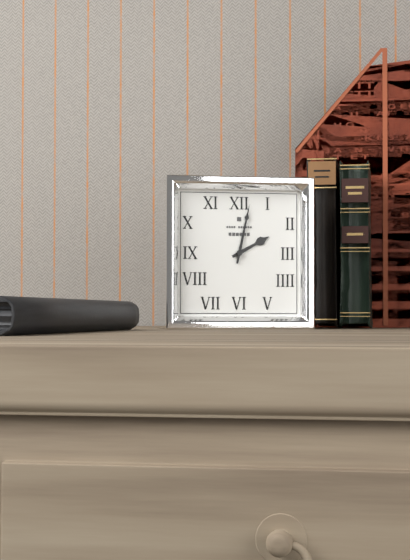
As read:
{"hour": 2, "minute": 2}
